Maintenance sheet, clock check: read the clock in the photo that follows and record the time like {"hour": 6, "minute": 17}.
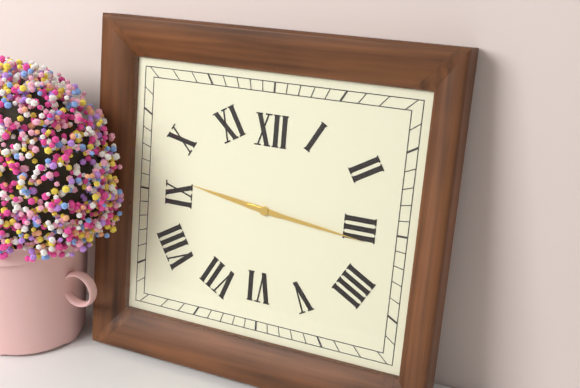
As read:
{"hour": 9, "minute": 16}
